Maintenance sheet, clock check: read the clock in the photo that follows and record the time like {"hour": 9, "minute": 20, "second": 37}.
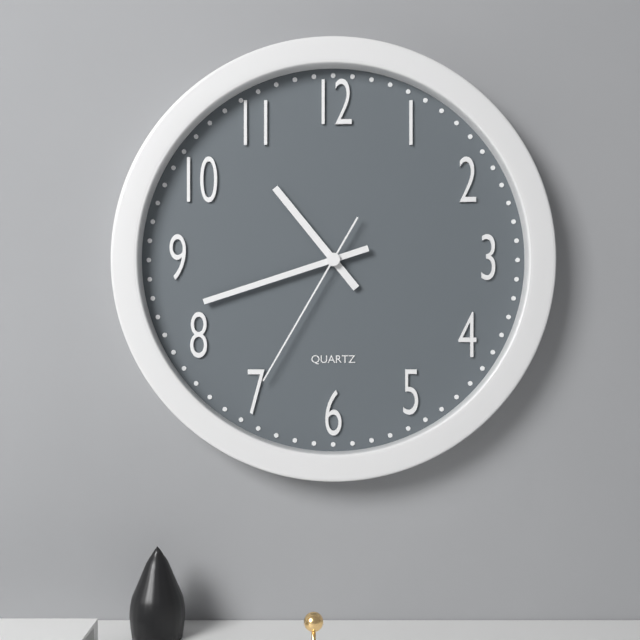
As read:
{"hour": 10, "minute": 42, "second": 35}
